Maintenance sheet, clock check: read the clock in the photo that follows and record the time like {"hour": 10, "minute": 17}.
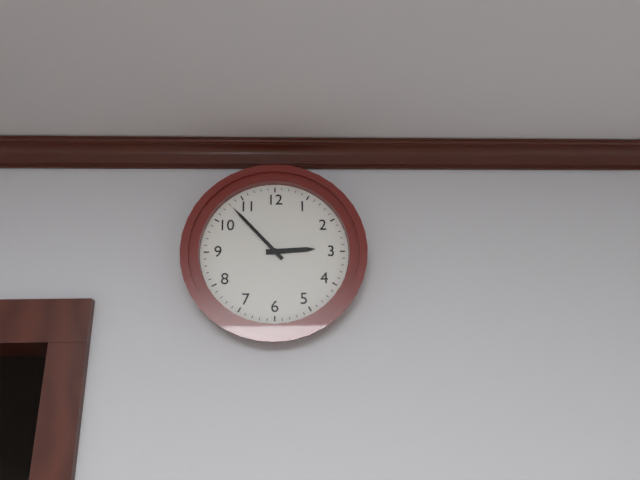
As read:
{"hour": 2, "minute": 53}
